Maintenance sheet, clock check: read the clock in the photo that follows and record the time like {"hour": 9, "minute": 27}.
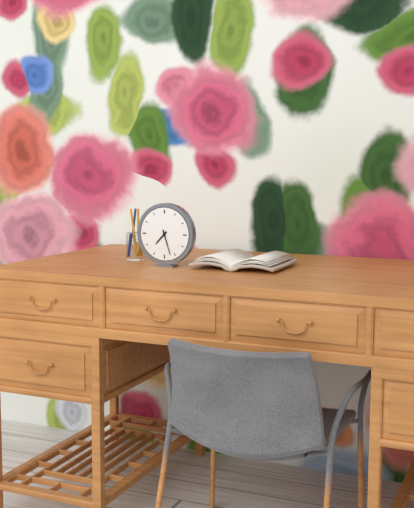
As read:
{"hour": 7, "minute": 27}
